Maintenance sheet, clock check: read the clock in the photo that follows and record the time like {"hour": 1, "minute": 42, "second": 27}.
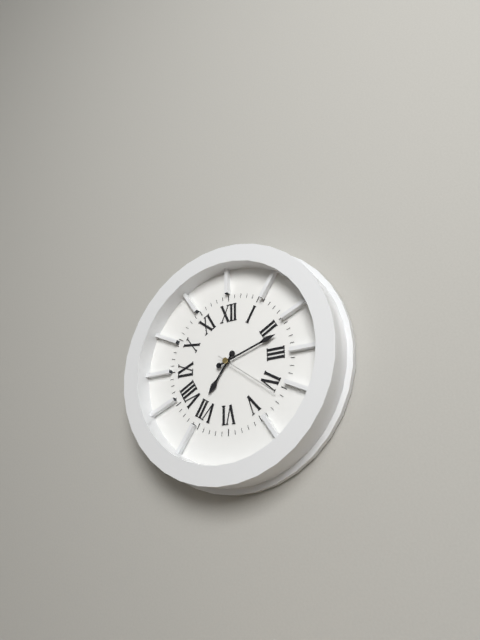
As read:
{"hour": 7, "minute": 12, "second": 21}
